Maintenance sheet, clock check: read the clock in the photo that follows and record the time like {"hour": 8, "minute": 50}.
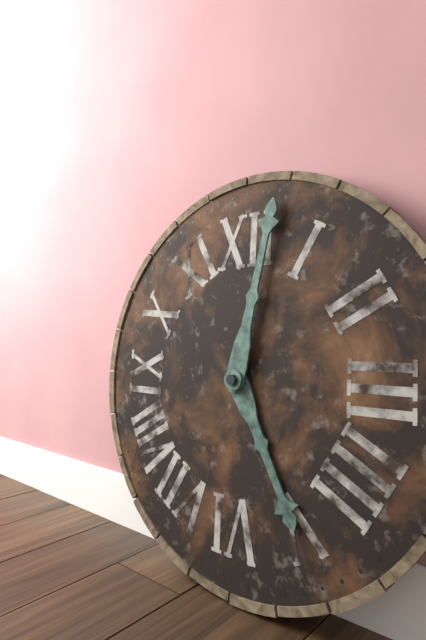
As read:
{"hour": 5, "minute": 2}
